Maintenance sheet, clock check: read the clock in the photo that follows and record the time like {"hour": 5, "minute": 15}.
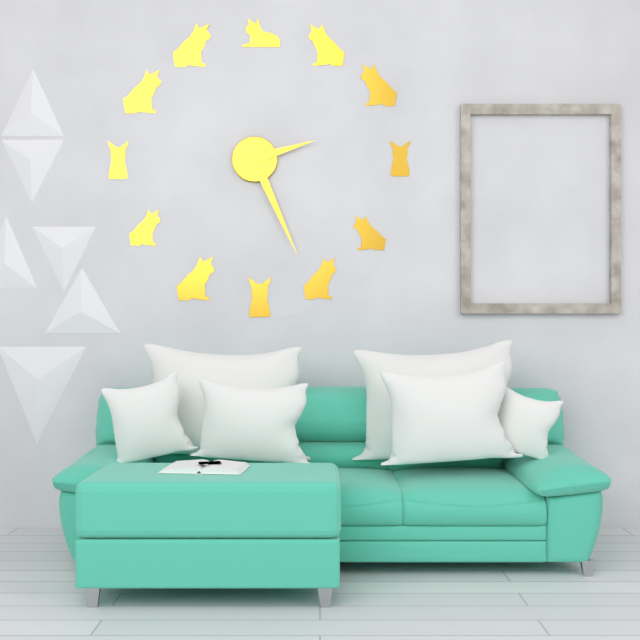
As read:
{"hour": 2, "minute": 26}
